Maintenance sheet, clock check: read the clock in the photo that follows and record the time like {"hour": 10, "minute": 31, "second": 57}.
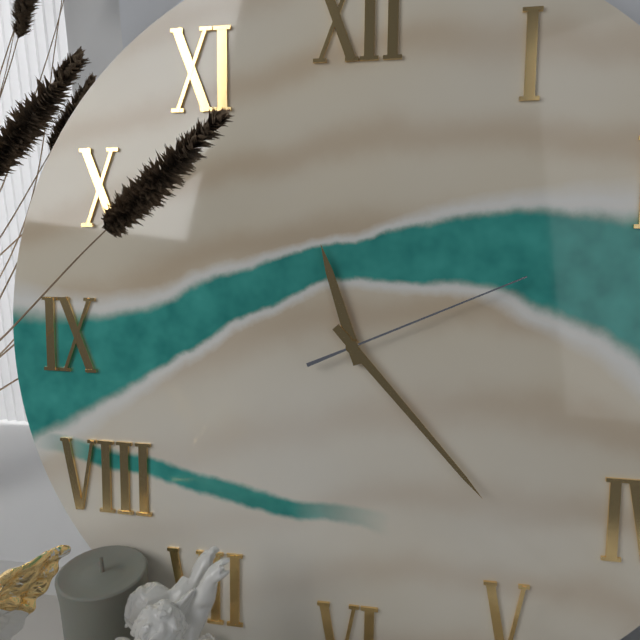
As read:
{"hour": 11, "minute": 23, "second": 11}
